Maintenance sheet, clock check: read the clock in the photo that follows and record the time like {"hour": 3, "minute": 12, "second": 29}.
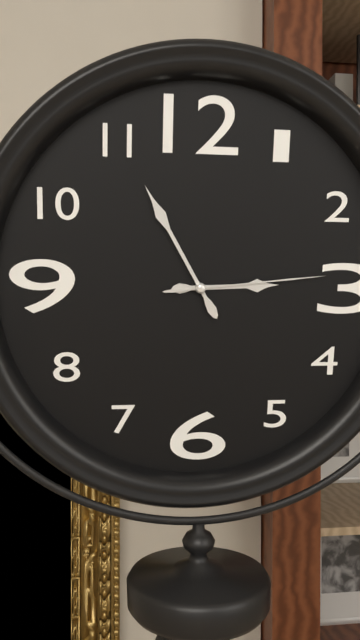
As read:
{"hour": 2, "minute": 55, "second": 14}
